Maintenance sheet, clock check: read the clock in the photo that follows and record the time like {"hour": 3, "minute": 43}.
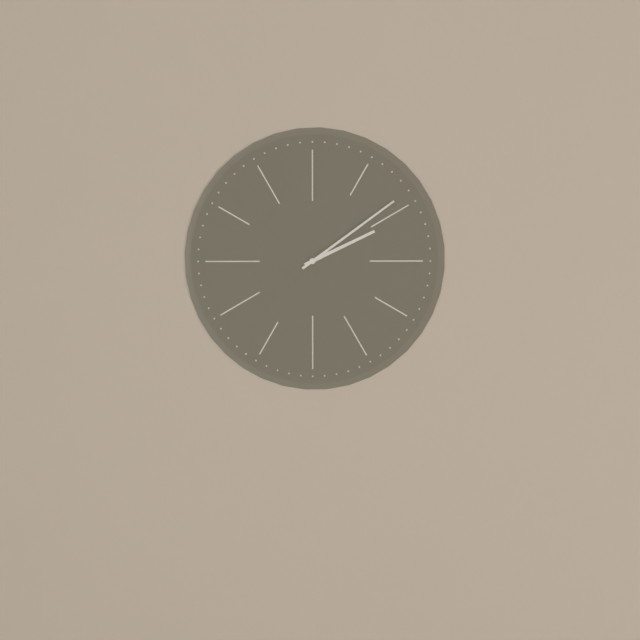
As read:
{"hour": 2, "minute": 9}
